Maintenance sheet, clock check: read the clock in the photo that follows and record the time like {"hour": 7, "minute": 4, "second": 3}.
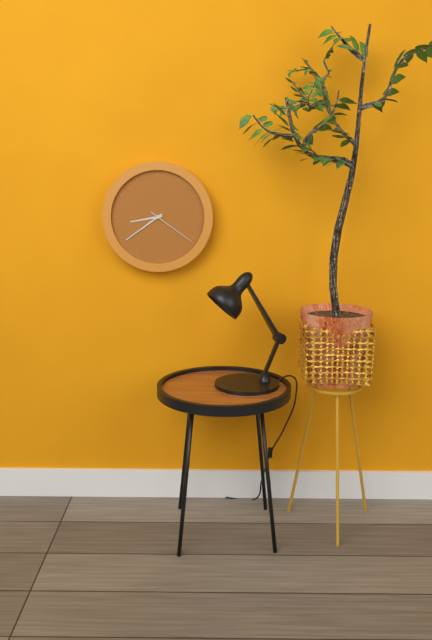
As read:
{"hour": 8, "minute": 39, "second": 21}
